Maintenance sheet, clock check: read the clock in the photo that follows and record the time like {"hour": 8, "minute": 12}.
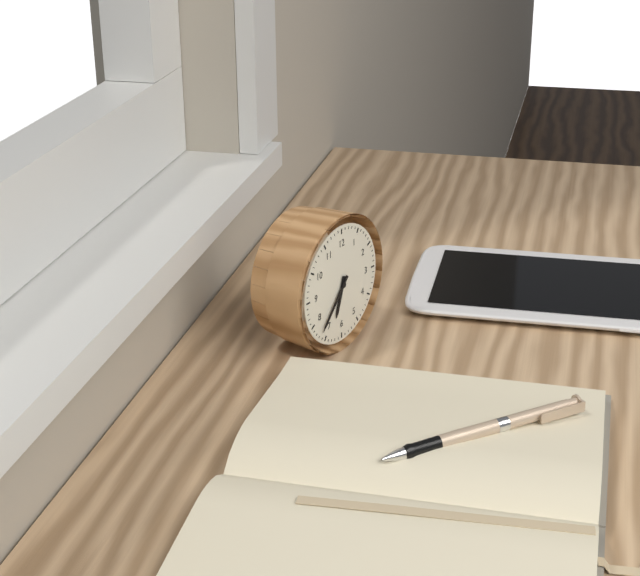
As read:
{"hour": 6, "minute": 37}
